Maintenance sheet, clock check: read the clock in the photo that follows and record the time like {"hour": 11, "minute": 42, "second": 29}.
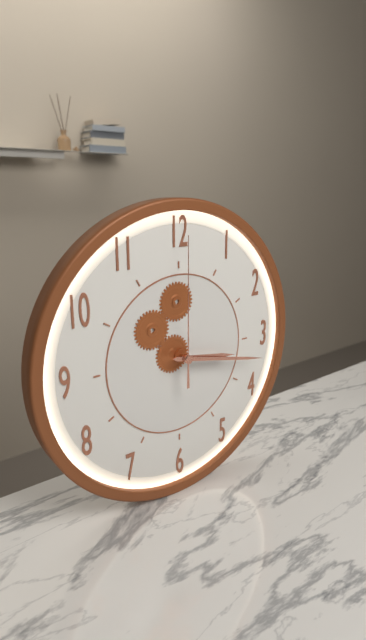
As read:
{"hour": 3, "minute": 17, "second": 0}
